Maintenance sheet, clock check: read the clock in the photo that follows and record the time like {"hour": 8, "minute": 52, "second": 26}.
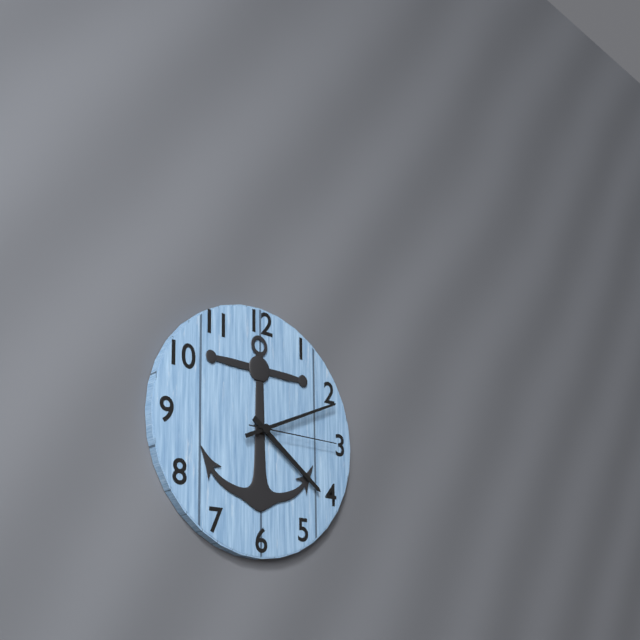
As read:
{"hour": 4, "minute": 11, "second": 15}
